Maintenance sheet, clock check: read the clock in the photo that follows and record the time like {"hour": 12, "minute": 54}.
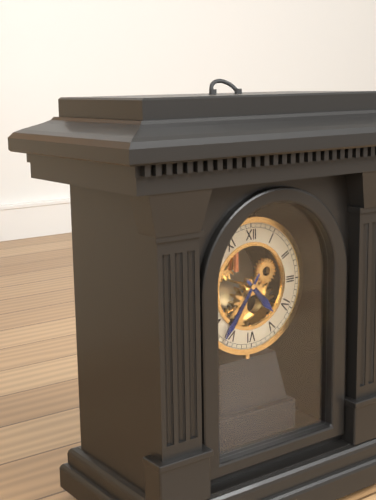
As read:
{"hour": 4, "minute": 36}
